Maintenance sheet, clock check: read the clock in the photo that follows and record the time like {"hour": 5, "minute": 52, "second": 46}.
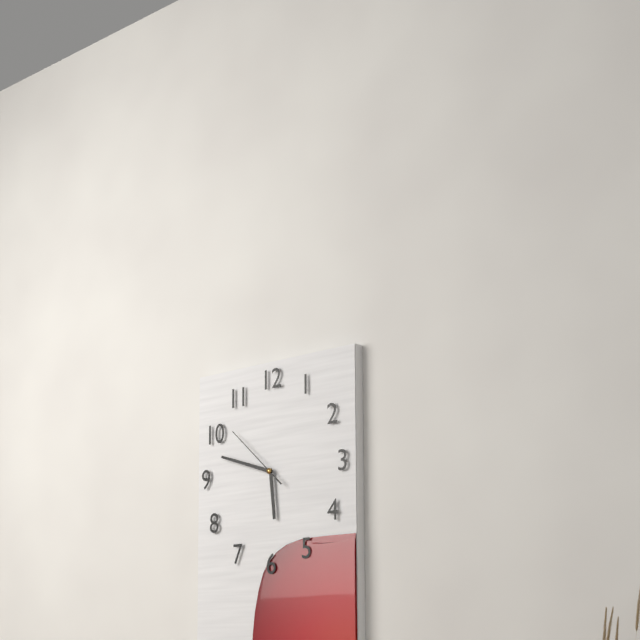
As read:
{"hour": 5, "minute": 48, "second": 52}
